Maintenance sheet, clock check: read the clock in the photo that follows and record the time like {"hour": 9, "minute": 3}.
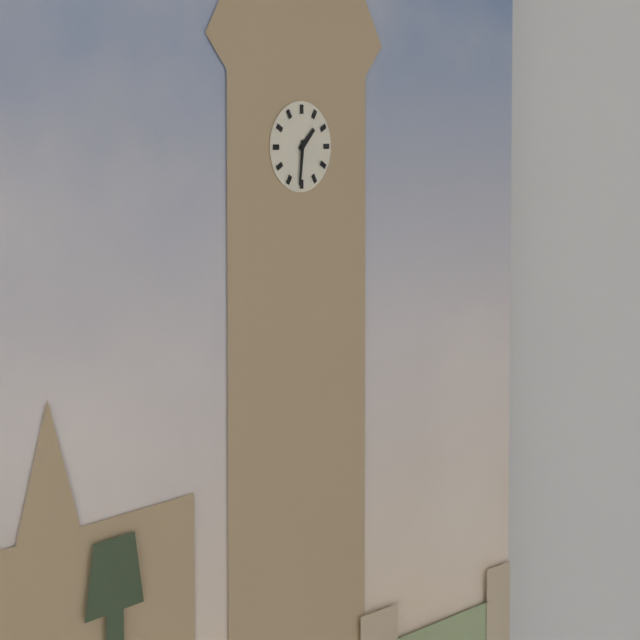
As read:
{"hour": 1, "minute": 31}
